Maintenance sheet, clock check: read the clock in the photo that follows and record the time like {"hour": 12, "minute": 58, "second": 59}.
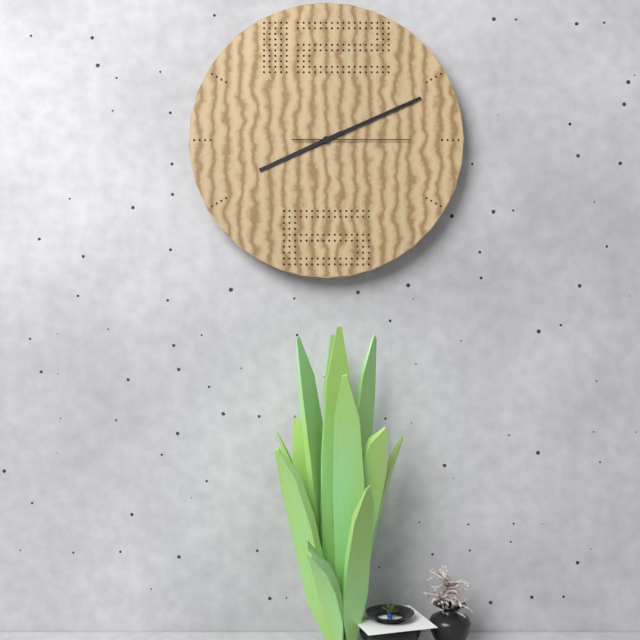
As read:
{"hour": 8, "minute": 11, "second": 15}
